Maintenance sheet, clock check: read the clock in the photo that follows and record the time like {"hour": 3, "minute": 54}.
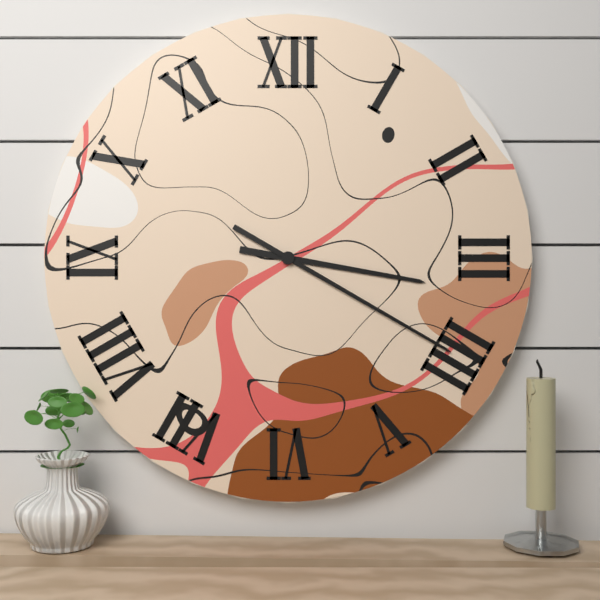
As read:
{"hour": 3, "minute": 20}
